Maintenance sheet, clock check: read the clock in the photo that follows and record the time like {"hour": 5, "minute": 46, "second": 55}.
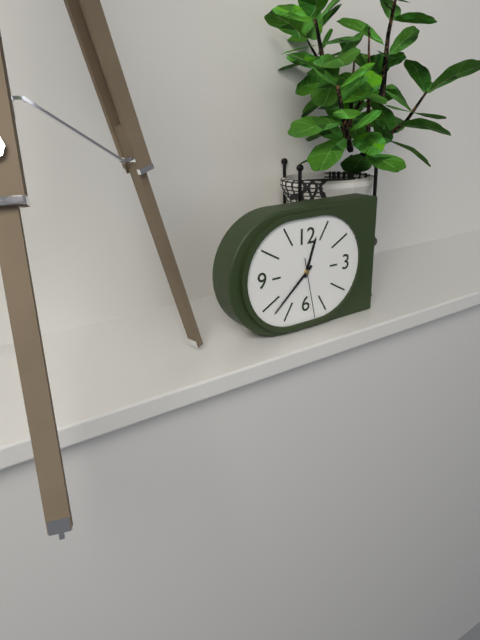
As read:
{"hour": 12, "minute": 38, "second": 28}
